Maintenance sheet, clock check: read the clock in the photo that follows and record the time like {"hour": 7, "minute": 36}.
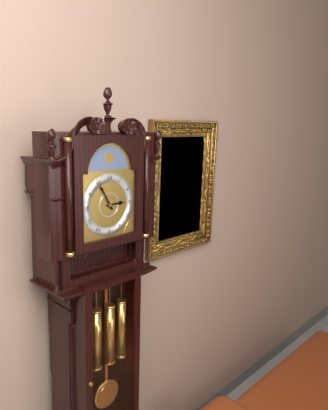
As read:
{"hour": 2, "minute": 55}
